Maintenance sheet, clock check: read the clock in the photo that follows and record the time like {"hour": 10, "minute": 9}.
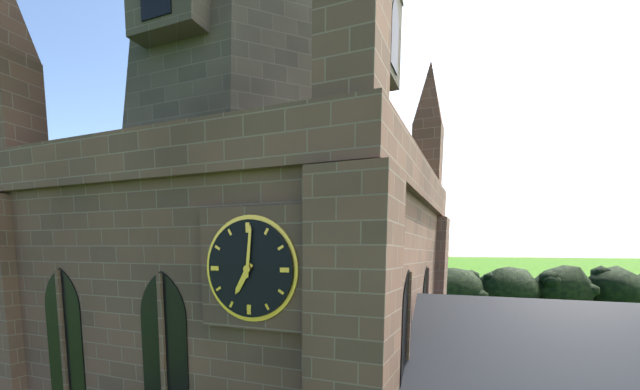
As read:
{"hour": 7, "minute": 1}
